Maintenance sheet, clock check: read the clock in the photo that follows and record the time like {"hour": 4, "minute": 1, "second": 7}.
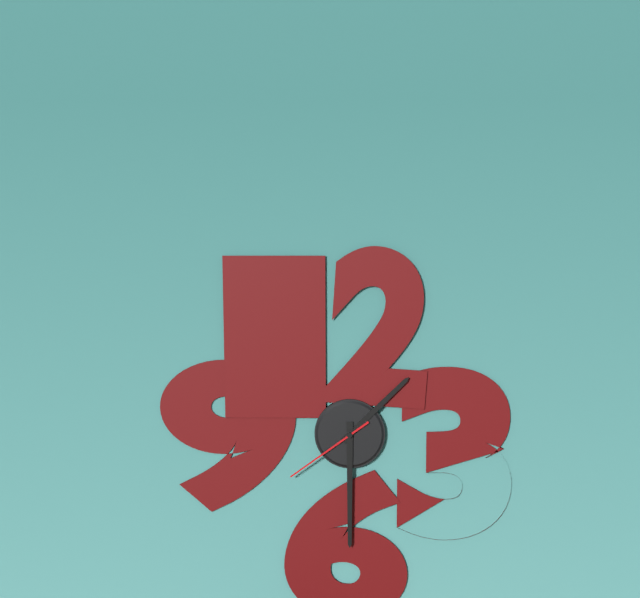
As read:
{"hour": 1, "minute": 30, "second": 39}
